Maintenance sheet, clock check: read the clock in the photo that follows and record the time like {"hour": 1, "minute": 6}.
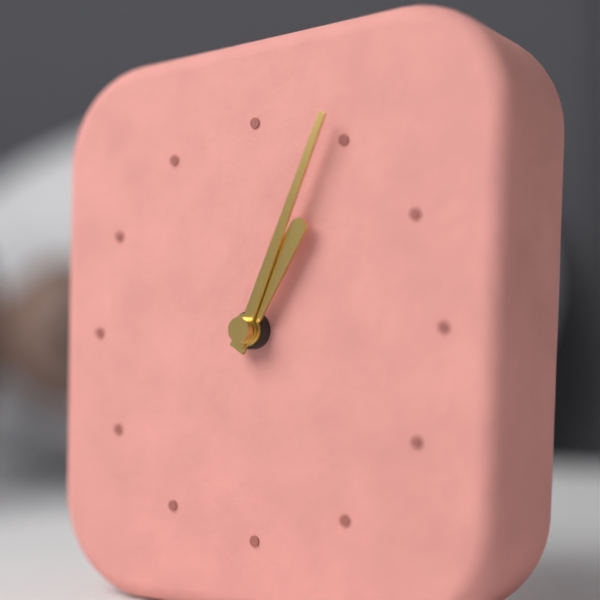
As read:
{"hour": 1, "minute": 4}
